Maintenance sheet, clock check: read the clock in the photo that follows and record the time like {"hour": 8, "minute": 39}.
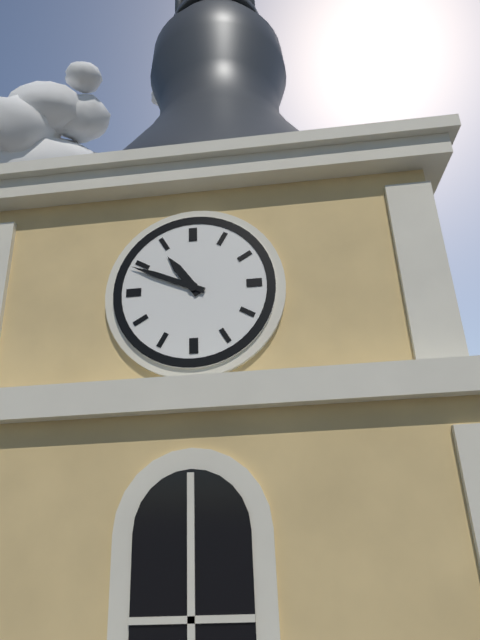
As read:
{"hour": 10, "minute": 49}
